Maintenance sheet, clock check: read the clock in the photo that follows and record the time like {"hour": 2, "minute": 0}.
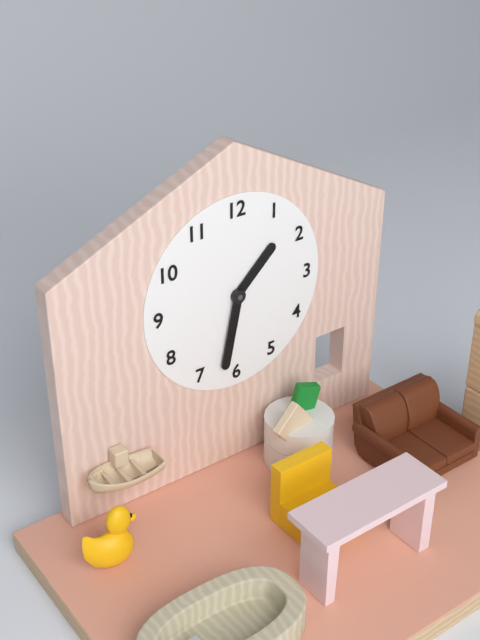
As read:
{"hour": 1, "minute": 32}
